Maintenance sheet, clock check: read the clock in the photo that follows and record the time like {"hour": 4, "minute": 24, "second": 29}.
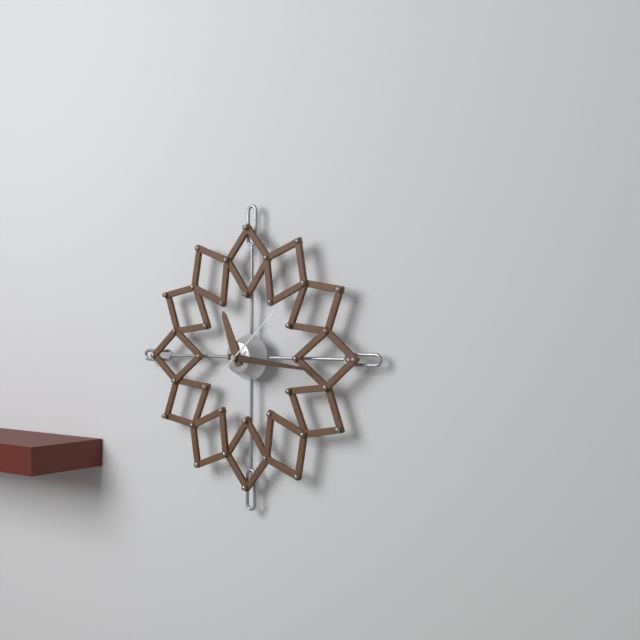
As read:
{"hour": 11, "minute": 16, "second": 8}
